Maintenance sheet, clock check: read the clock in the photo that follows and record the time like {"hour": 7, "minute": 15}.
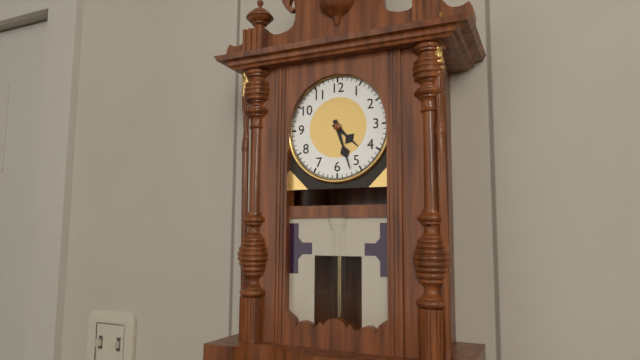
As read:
{"hour": 4, "minute": 27}
